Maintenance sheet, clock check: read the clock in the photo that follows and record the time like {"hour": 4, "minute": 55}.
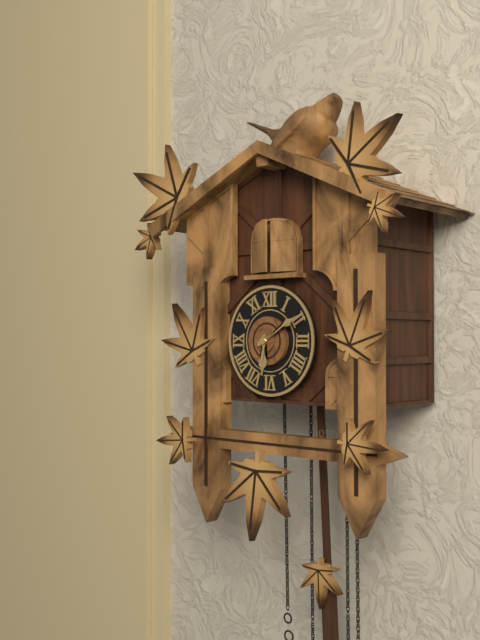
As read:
{"hour": 6, "minute": 10}
